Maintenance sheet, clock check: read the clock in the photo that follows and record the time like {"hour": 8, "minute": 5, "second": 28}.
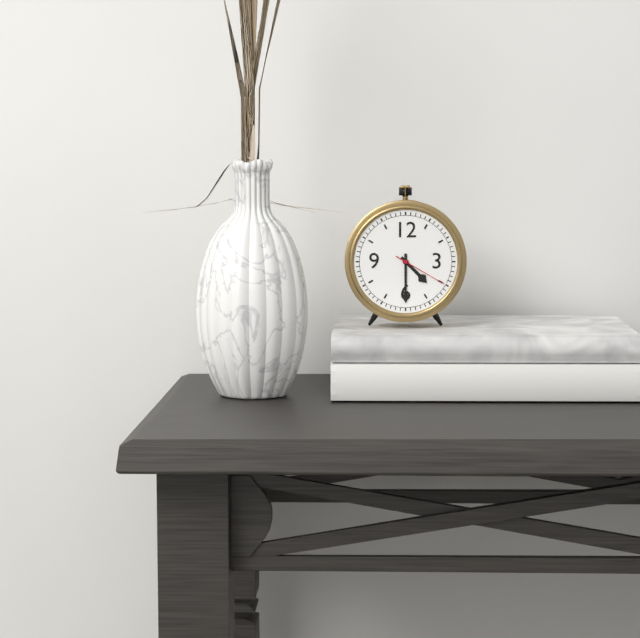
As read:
{"hour": 4, "minute": 30, "second": 20}
